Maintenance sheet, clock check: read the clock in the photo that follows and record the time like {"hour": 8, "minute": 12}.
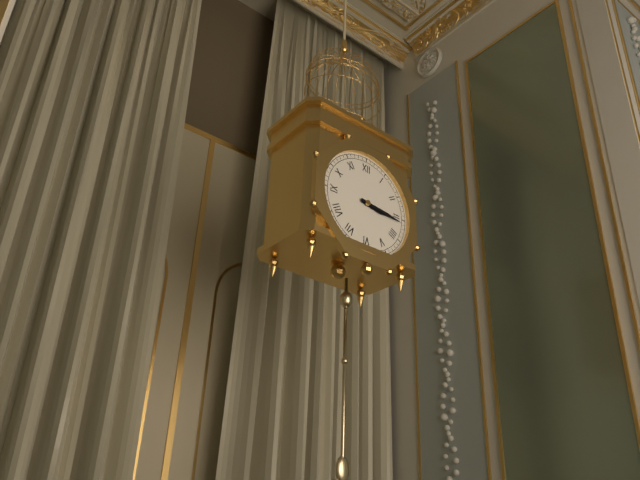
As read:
{"hour": 3, "minute": 16}
